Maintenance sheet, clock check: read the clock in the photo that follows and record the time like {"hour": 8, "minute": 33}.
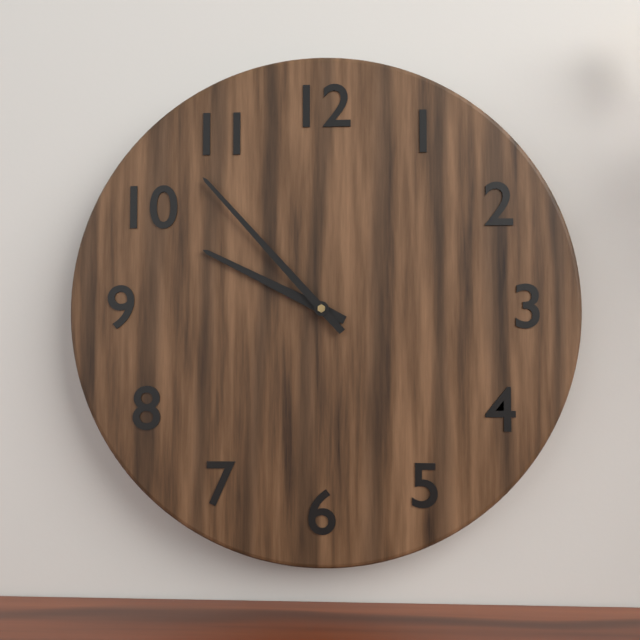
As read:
{"hour": 9, "minute": 53}
